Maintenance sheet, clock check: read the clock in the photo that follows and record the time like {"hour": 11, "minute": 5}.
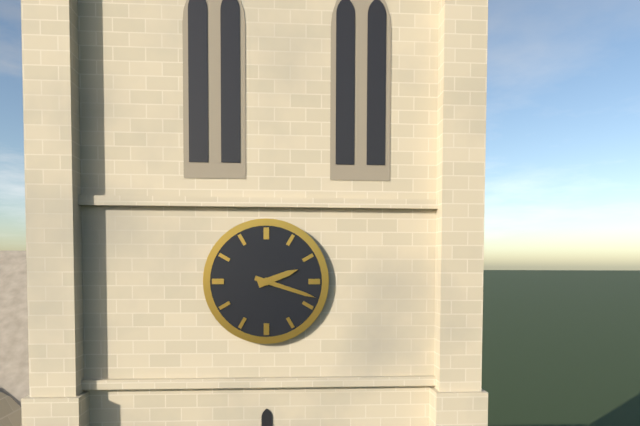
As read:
{"hour": 2, "minute": 18}
